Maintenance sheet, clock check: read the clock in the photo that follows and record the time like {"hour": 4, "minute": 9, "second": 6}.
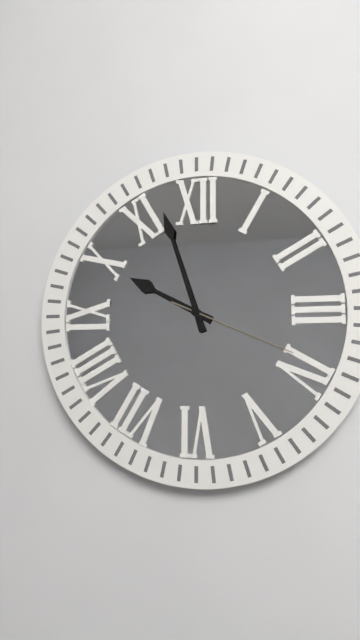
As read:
{"hour": 9, "minute": 57, "second": 19}
